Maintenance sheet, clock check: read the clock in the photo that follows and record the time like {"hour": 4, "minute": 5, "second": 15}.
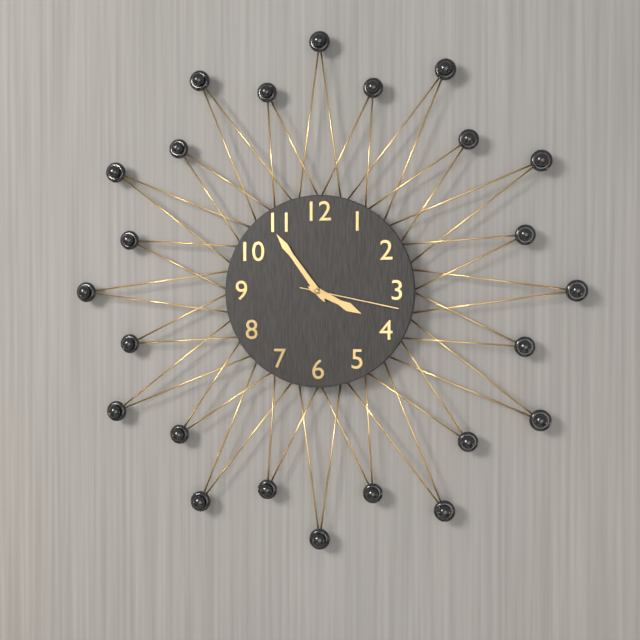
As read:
{"hour": 3, "minute": 54, "second": 17}
